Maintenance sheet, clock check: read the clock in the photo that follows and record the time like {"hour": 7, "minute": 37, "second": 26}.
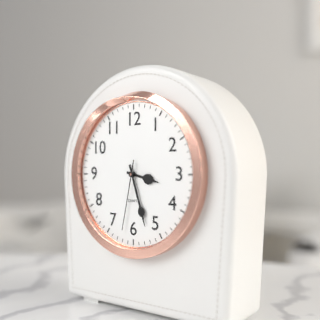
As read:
{"hour": 3, "minute": 27, "second": 32}
